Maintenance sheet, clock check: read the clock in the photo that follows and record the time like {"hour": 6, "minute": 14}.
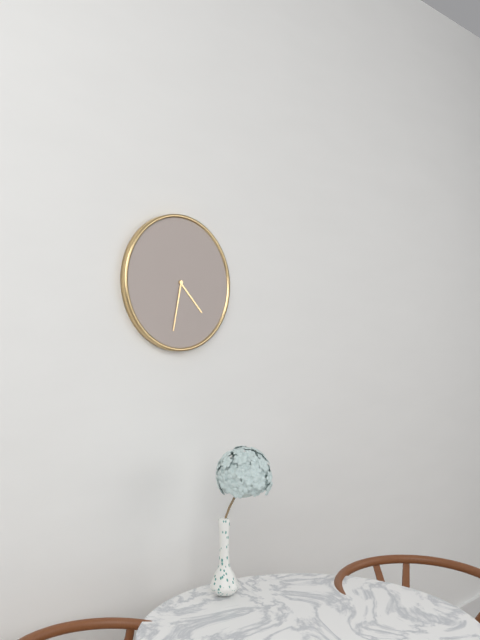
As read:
{"hour": 4, "minute": 32}
